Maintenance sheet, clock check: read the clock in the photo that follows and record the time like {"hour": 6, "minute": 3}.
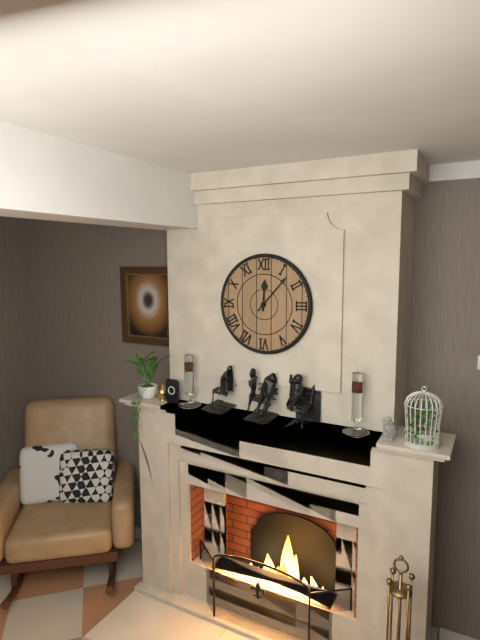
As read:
{"hour": 12, "minute": 7}
